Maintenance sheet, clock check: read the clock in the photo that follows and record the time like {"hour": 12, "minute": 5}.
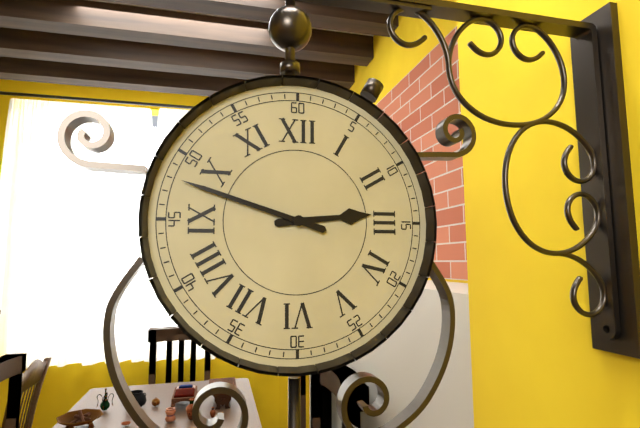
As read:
{"hour": 2, "minute": 48}
